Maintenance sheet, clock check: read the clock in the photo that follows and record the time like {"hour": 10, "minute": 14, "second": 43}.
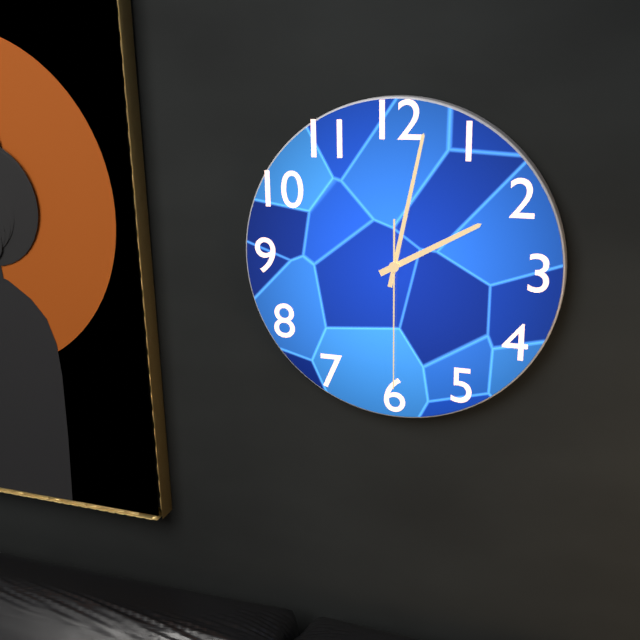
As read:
{"hour": 2, "minute": 2, "second": 30}
